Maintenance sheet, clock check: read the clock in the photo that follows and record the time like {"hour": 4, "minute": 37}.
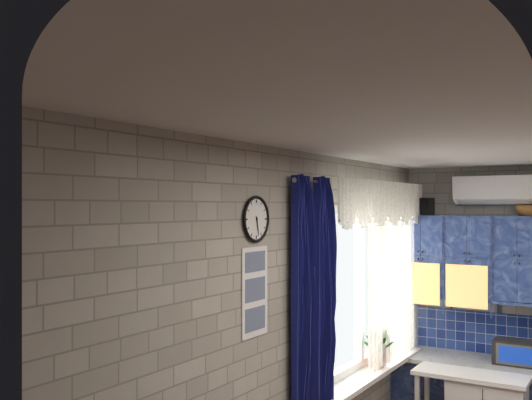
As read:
{"hour": 5, "minute": 28}
